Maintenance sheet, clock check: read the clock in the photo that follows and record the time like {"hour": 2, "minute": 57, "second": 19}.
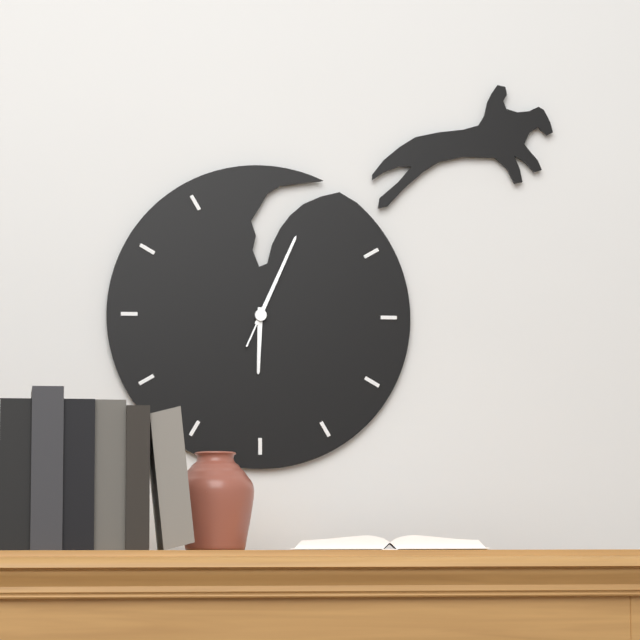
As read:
{"hour": 6, "minute": 4, "second": 4}
